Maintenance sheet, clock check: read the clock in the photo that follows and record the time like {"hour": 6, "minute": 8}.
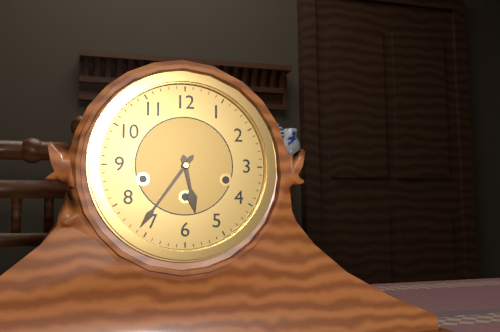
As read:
{"hour": 5, "minute": 36}
